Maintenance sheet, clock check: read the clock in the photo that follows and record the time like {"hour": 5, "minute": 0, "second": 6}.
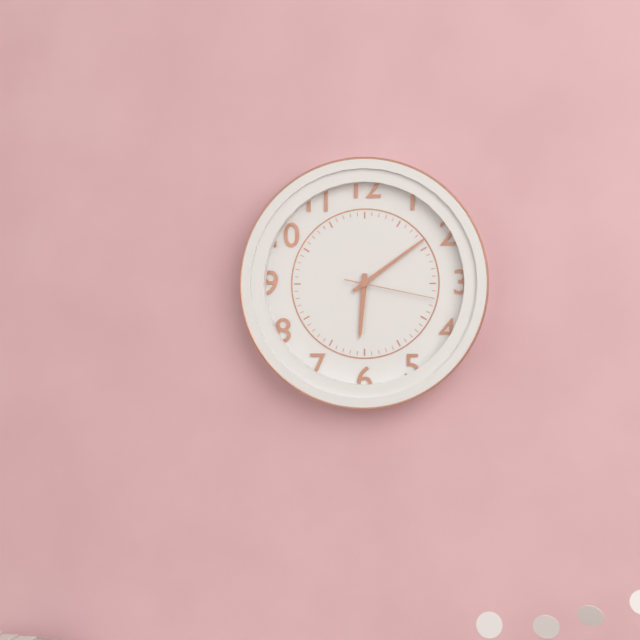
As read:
{"hour": 6, "minute": 9, "second": 17}
